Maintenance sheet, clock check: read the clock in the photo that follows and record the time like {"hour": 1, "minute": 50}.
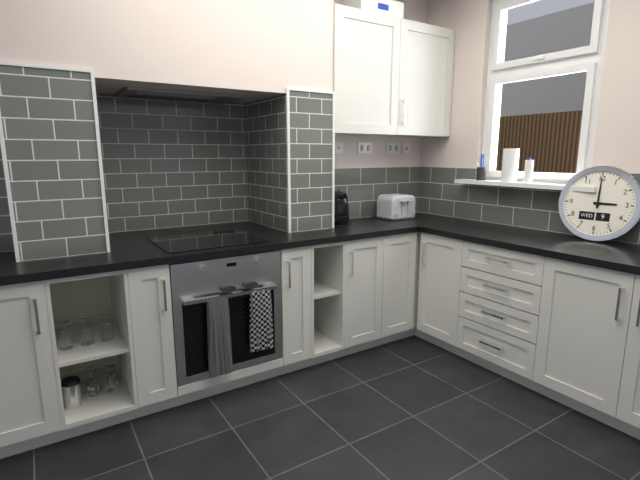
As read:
{"hour": 3, "minute": 0}
